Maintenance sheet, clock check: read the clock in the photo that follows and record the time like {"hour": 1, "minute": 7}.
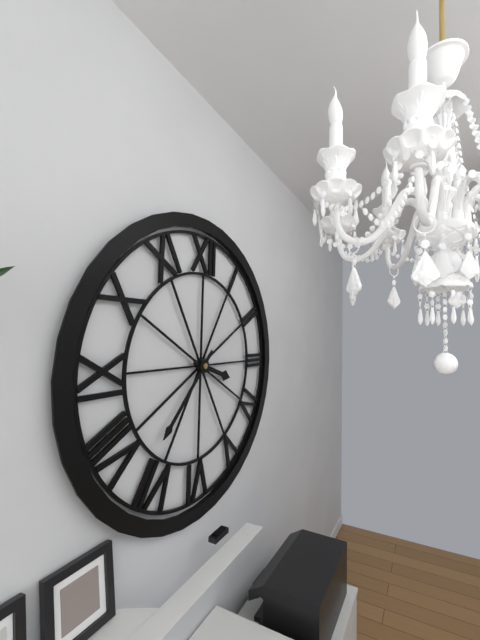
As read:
{"hour": 3, "minute": 37}
